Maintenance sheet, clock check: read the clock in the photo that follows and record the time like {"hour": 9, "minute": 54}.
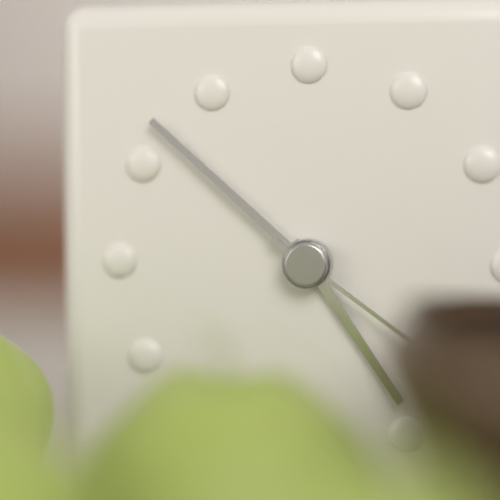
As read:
{"hour": 4, "minute": 52}
